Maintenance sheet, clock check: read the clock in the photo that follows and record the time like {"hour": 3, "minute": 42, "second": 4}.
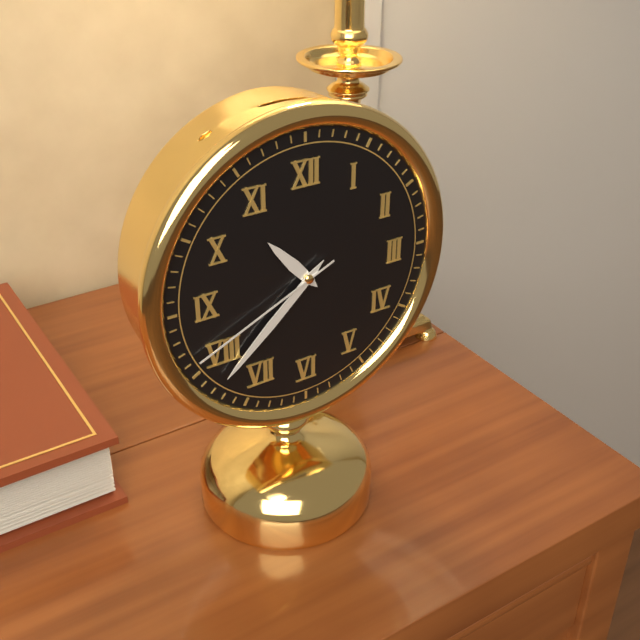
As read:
{"hour": 10, "minute": 38, "second": 41}
